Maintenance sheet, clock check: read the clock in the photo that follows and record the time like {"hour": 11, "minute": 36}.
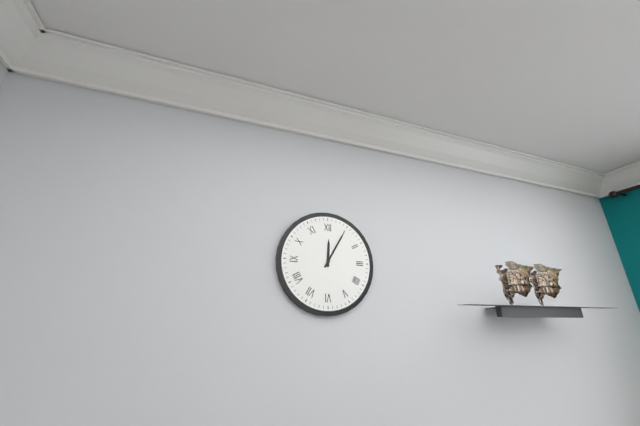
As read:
{"hour": 12, "minute": 5}
